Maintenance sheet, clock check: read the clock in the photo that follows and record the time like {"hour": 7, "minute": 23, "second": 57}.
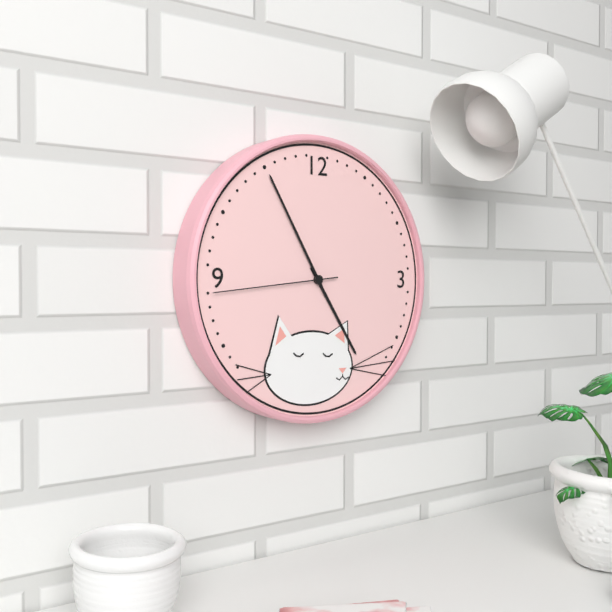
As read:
{"hour": 4, "minute": 55, "second": 44}
